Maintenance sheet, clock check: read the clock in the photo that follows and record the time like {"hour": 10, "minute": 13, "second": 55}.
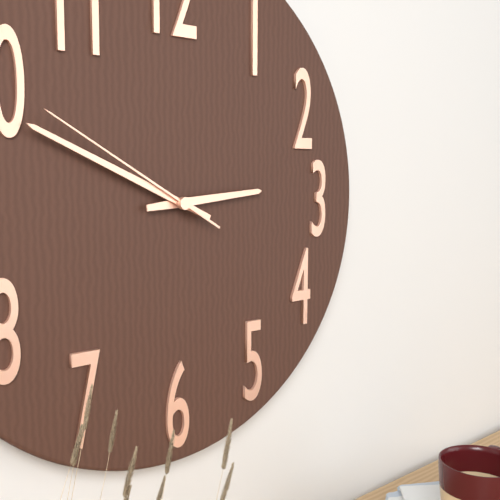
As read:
{"hour": 2, "minute": 49, "second": 50}
